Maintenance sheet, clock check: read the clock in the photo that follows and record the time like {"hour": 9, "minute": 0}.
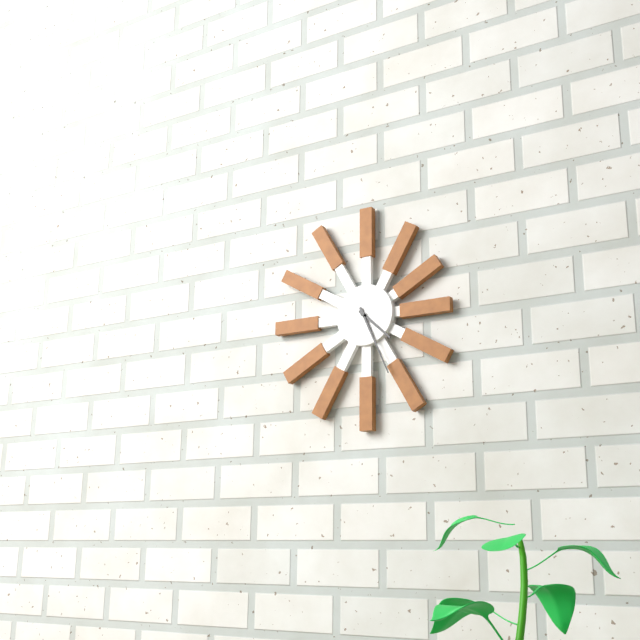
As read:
{"hour": 4, "minute": 26}
